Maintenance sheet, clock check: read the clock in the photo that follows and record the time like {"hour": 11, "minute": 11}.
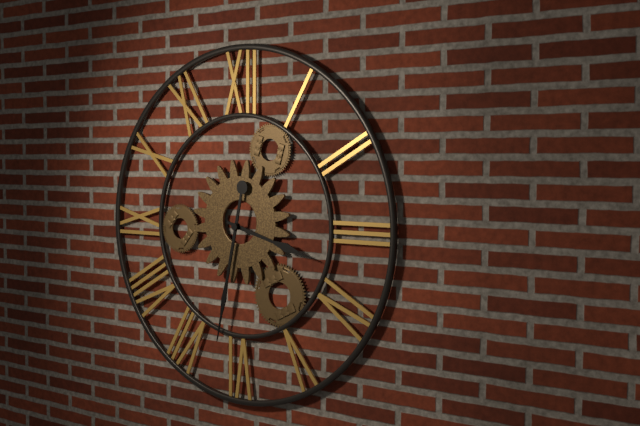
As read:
{"hour": 3, "minute": 32}
